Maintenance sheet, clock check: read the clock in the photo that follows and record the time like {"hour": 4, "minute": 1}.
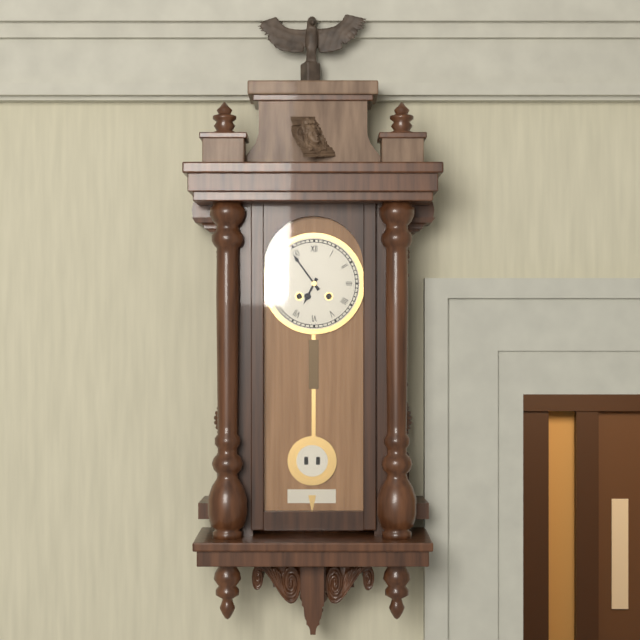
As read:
{"hour": 6, "minute": 54}
